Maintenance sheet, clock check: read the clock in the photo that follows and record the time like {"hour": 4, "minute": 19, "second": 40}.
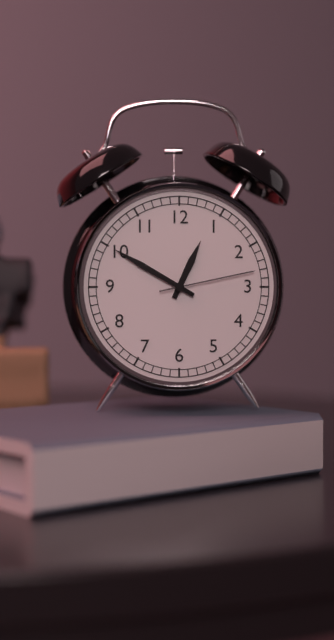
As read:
{"hour": 12, "minute": 50, "second": 13}
